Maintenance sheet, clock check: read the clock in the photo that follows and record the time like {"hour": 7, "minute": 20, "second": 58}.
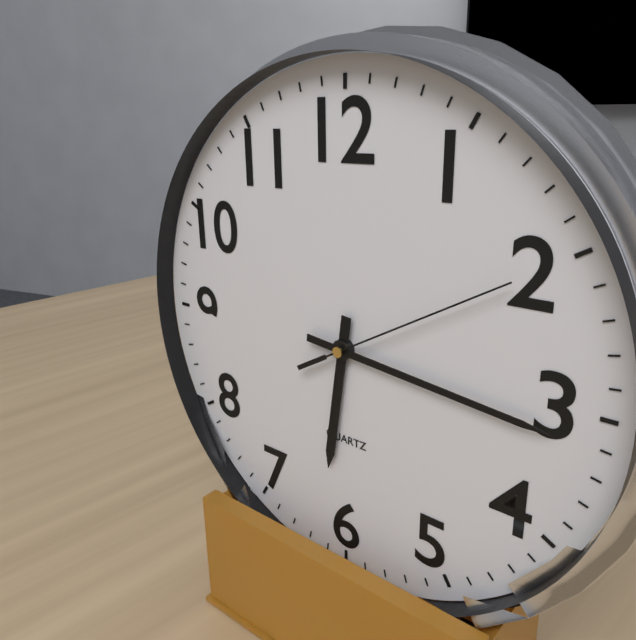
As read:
{"hour": 6, "minute": 16, "second": 10}
